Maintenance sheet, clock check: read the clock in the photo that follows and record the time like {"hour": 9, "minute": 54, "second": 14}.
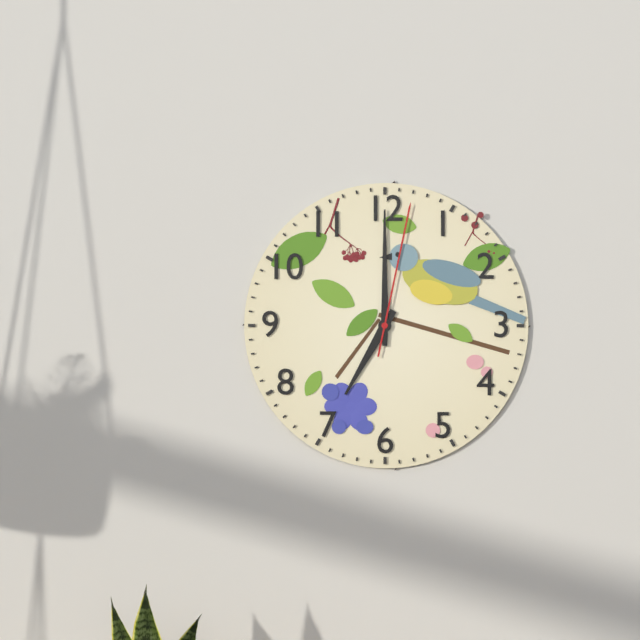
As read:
{"hour": 7, "minute": 0, "second": 2}
